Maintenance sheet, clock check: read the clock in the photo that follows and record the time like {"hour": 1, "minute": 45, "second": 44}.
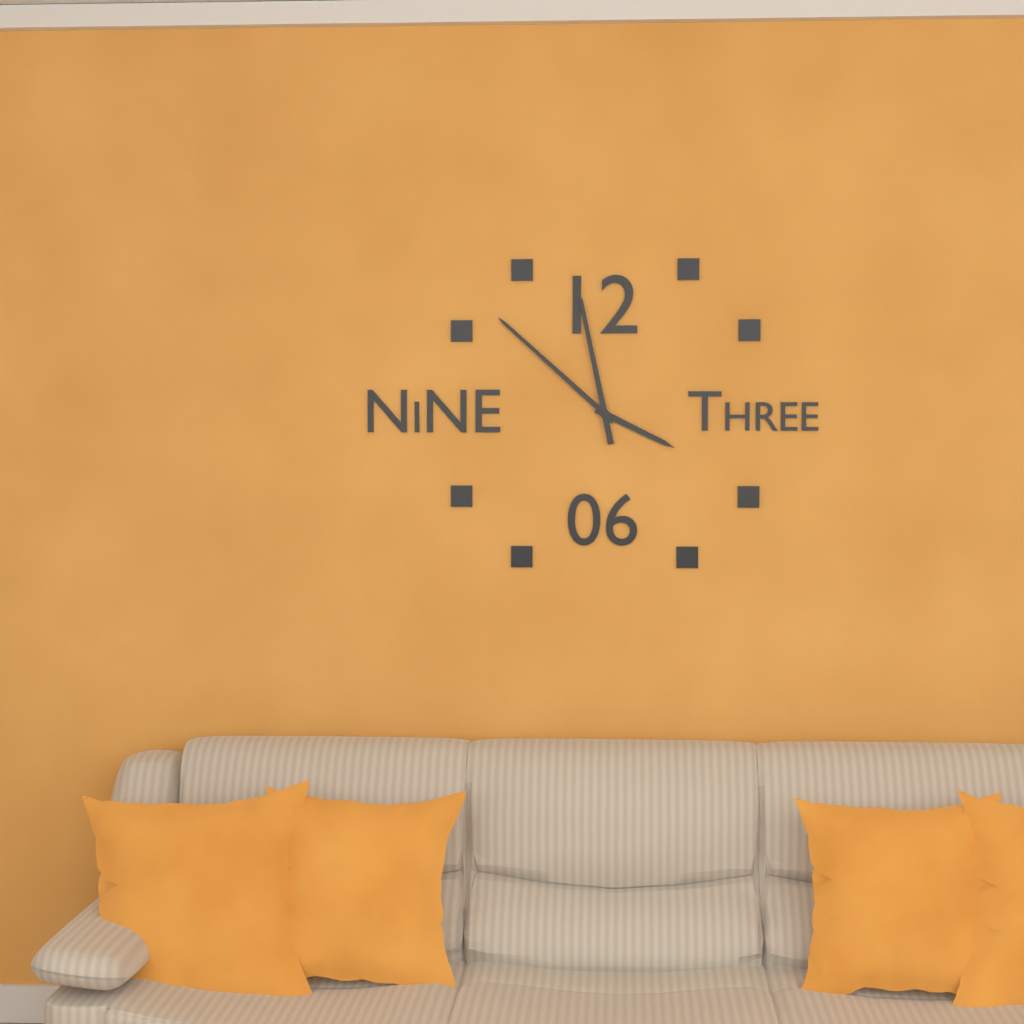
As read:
{"hour": 3, "minute": 52, "second": 58}
